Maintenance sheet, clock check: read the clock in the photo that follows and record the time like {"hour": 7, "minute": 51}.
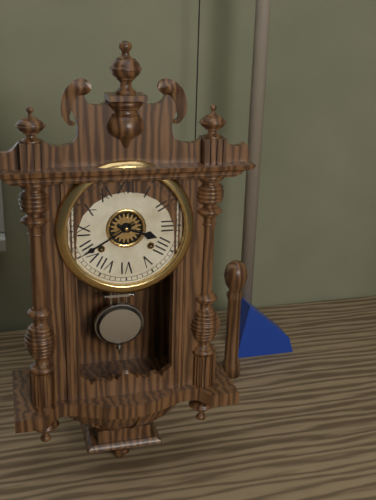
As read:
{"hour": 3, "minute": 40}
